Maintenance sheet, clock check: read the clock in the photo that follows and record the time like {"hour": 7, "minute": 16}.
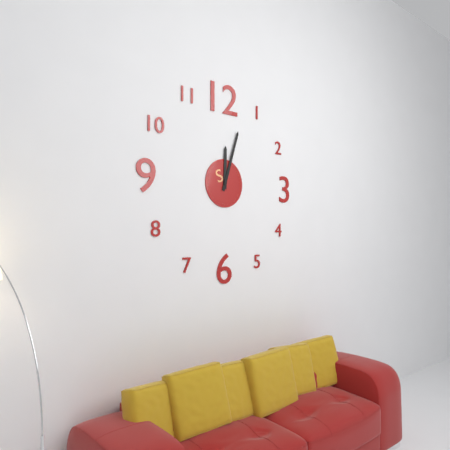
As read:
{"hour": 12, "minute": 3}
